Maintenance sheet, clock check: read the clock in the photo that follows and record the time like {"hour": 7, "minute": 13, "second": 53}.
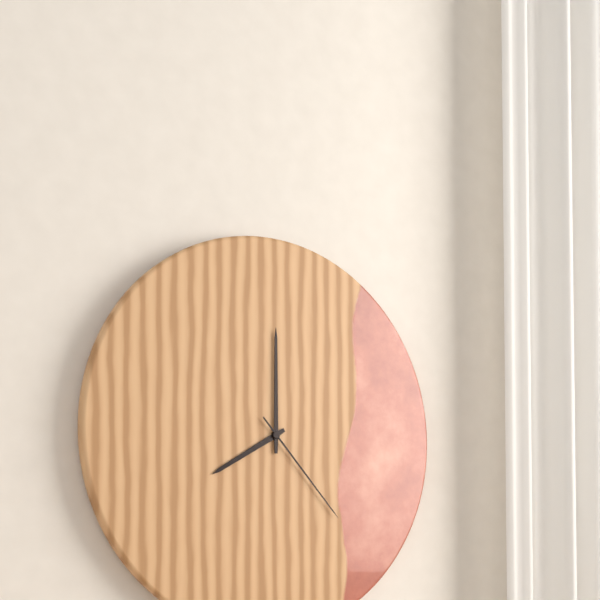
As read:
{"hour": 8, "minute": 0, "second": 23}
